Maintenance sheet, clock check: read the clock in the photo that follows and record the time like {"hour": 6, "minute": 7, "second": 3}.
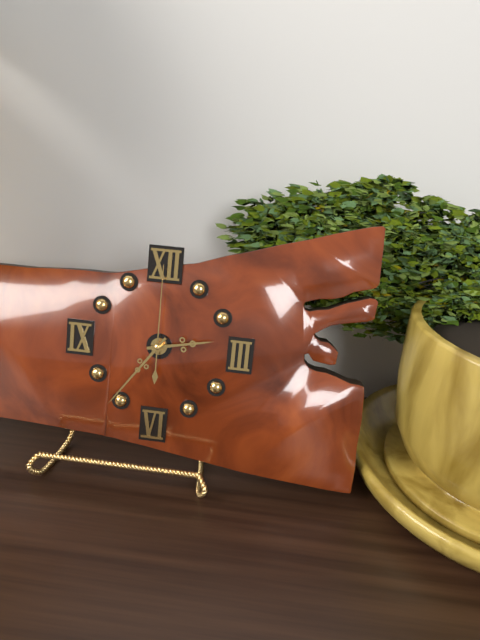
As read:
{"hour": 2, "minute": 36, "second": 0}
